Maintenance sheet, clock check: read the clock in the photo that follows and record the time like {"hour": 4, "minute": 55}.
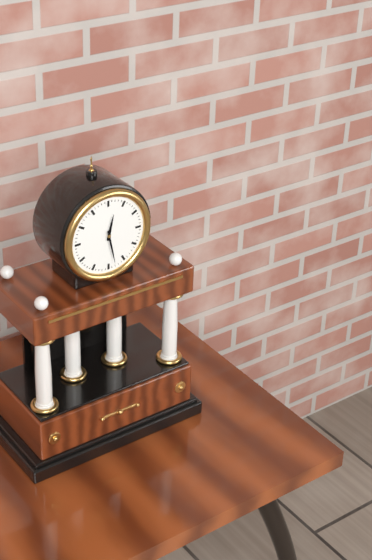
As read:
{"hour": 12, "minute": 28}
